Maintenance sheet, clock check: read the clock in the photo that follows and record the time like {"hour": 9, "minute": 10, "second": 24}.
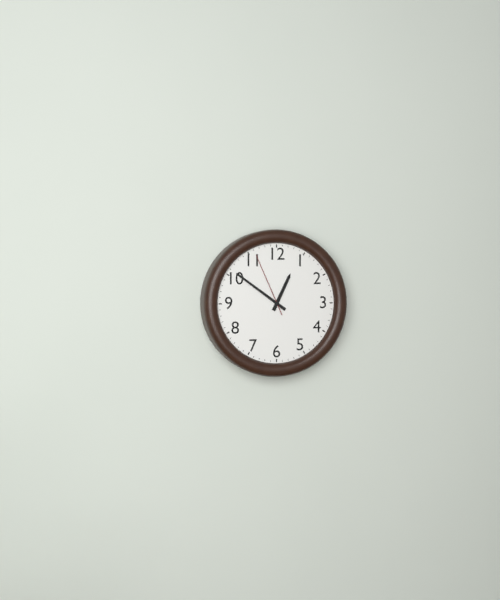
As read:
{"hour": 12, "minute": 51, "second": 56}
